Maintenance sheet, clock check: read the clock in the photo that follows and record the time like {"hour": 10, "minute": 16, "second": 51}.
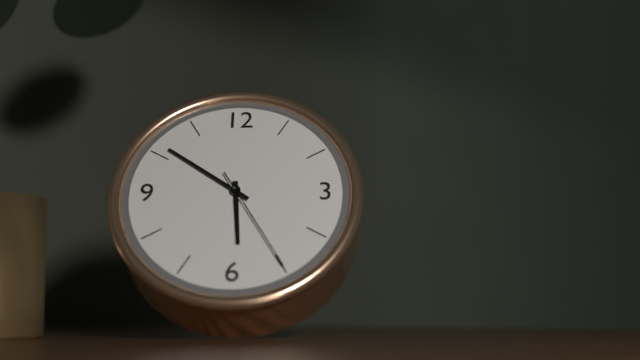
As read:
{"hour": 5, "minute": 51, "second": 25}
